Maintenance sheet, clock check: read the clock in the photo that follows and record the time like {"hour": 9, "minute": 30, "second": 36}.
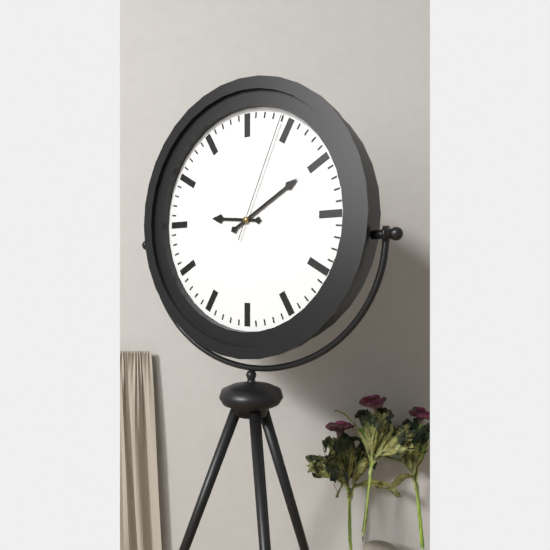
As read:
{"hour": 9, "minute": 10, "second": 4}
